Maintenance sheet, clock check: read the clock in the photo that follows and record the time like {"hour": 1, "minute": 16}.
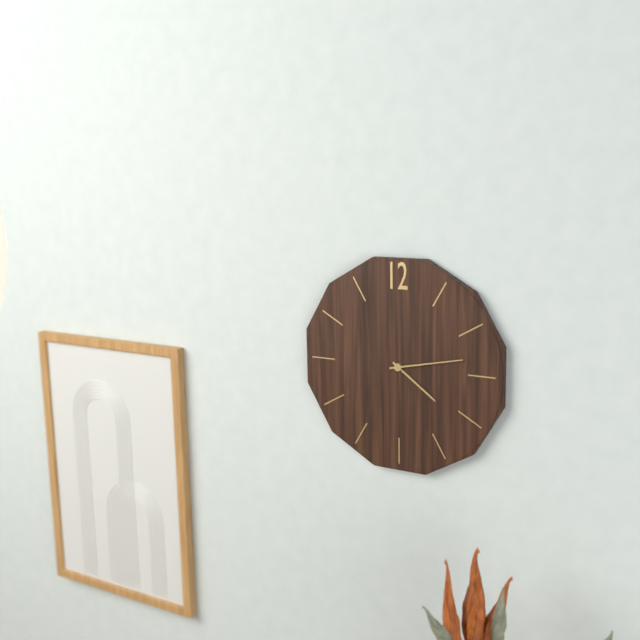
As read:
{"hour": 4, "minute": 13}
